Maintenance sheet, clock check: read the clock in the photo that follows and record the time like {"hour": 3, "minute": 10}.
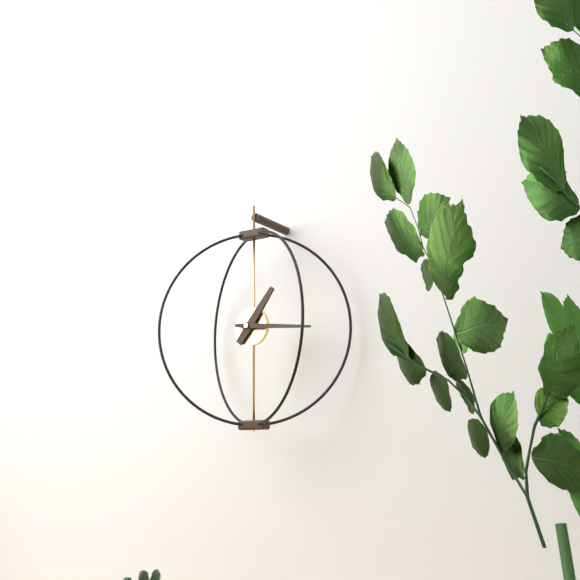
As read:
{"hour": 1, "minute": 16}
